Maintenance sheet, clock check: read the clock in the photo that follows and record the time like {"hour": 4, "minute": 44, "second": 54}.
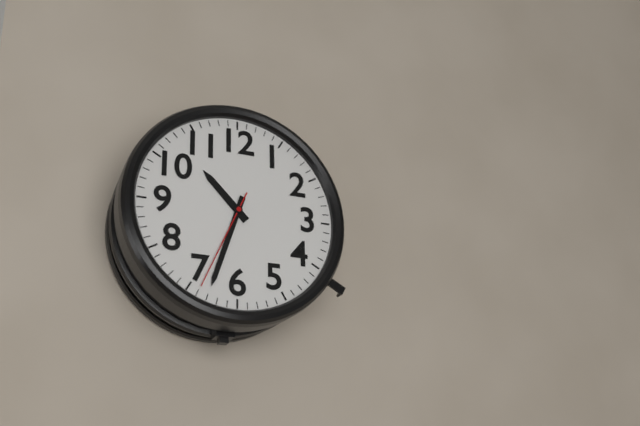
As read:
{"hour": 10, "minute": 33, "second": 34}
